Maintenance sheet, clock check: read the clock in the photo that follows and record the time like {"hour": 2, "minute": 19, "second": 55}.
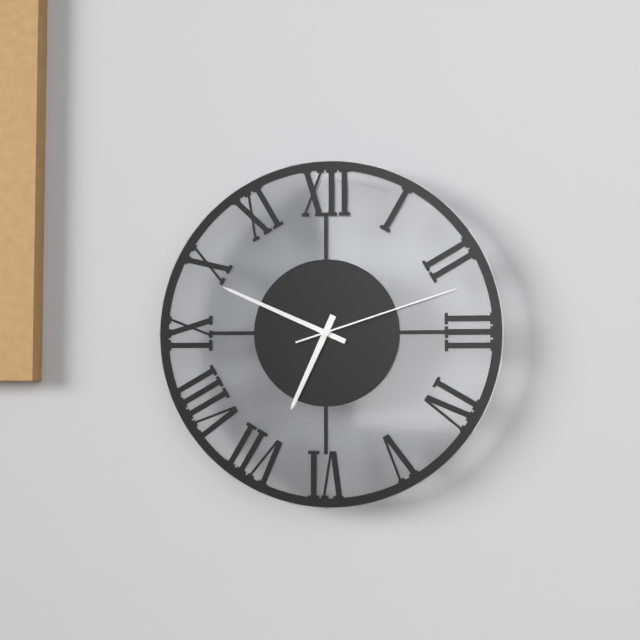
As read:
{"hour": 6, "minute": 49, "second": 12}
